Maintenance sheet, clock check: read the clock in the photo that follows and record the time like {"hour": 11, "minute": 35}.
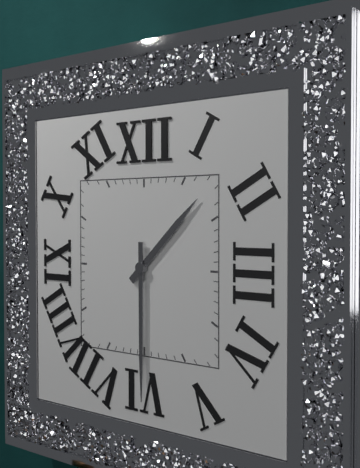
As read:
{"hour": 1, "minute": 30}
